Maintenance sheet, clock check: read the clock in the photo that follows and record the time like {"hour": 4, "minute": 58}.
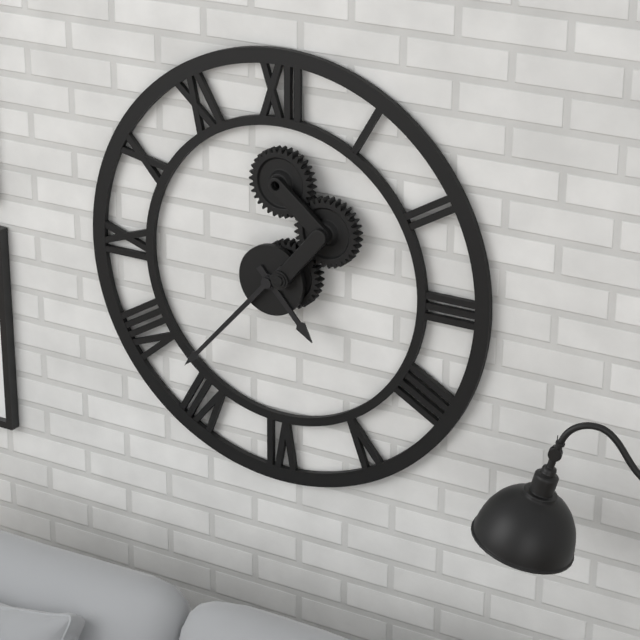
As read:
{"hour": 4, "minute": 37}
